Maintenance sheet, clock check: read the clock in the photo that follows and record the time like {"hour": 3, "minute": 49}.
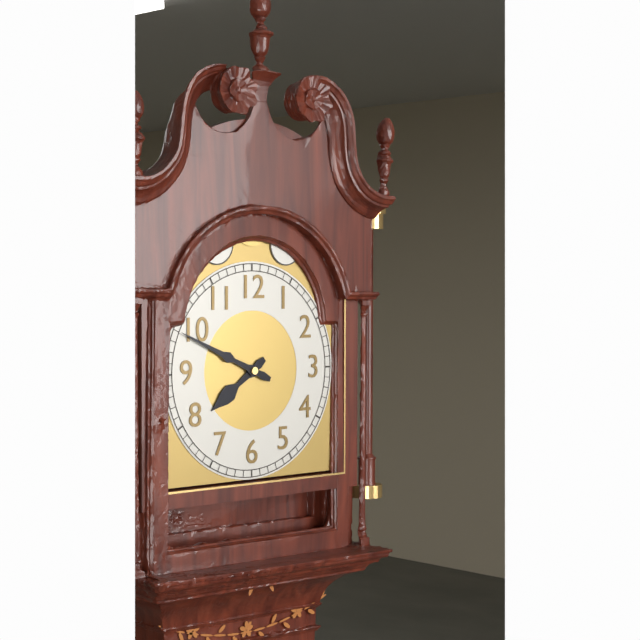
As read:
{"hour": 7, "minute": 49}
